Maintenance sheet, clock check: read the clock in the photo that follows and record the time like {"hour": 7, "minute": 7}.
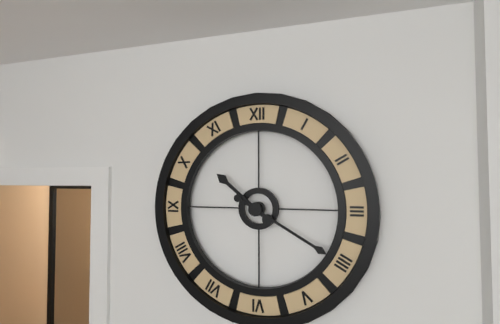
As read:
{"hour": 10, "minute": 20}
